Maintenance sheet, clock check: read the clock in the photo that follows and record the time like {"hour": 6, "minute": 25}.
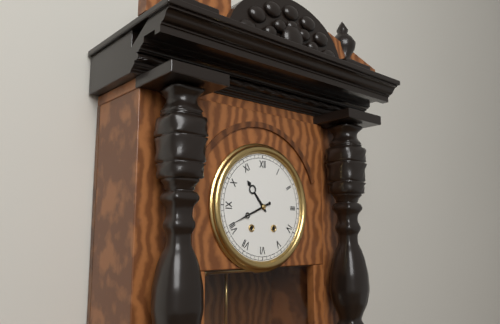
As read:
{"hour": 10, "minute": 41}
